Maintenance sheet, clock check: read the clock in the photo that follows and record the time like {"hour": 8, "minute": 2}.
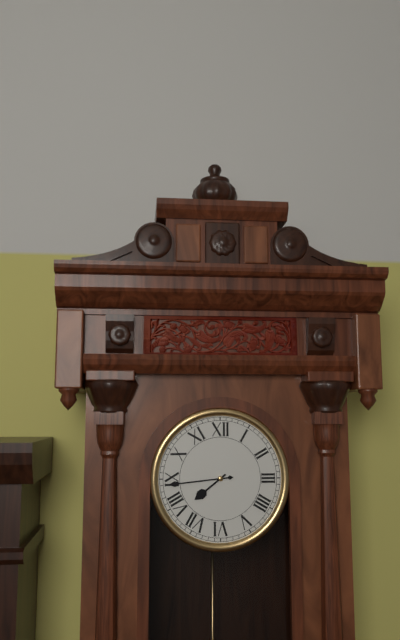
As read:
{"hour": 7, "minute": 44}
